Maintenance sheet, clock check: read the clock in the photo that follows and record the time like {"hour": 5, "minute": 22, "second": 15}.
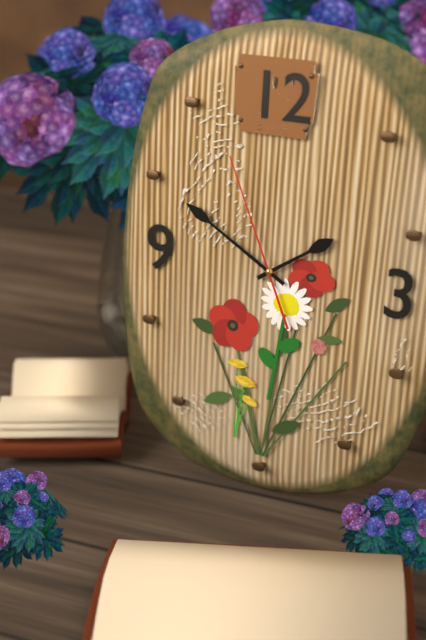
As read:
{"hour": 1, "minute": 50, "second": 56}
